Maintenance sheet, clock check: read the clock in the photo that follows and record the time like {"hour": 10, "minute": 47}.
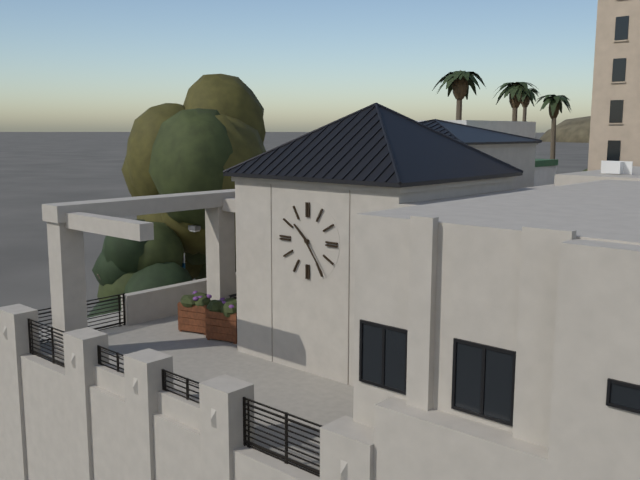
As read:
{"hour": 10, "minute": 24}
